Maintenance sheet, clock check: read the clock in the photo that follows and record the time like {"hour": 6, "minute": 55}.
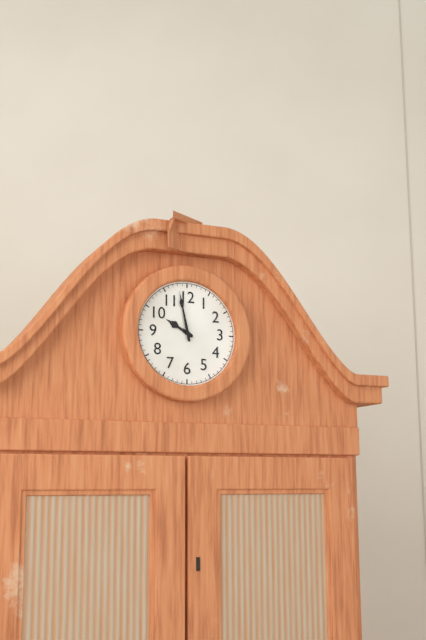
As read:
{"hour": 9, "minute": 58}
